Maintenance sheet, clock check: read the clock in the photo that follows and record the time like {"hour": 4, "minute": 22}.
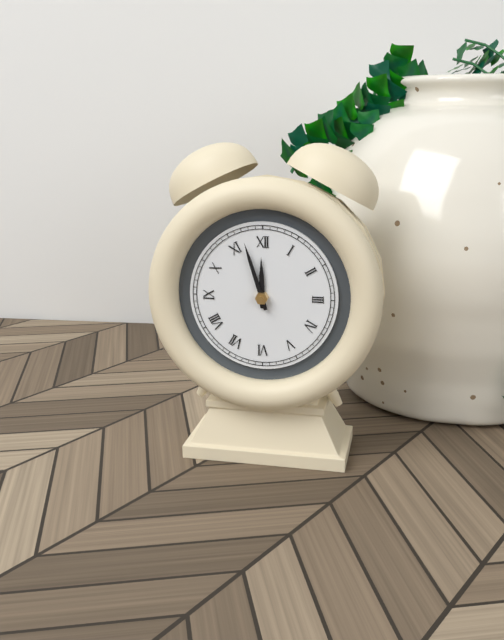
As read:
{"hour": 11, "minute": 57}
